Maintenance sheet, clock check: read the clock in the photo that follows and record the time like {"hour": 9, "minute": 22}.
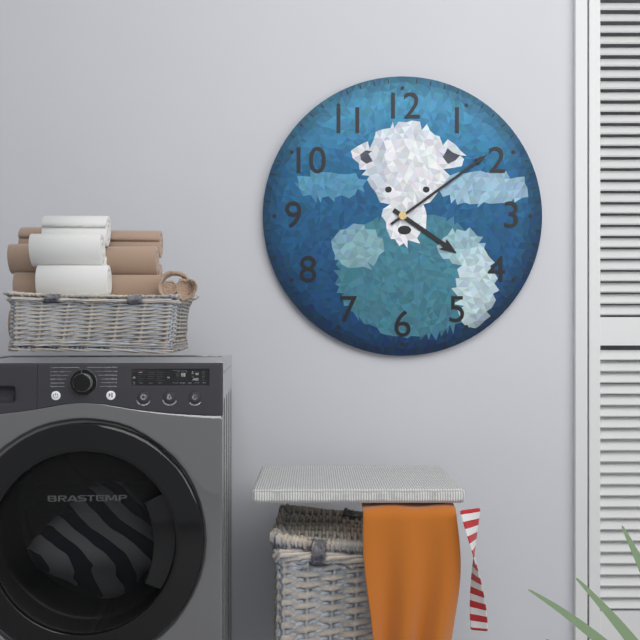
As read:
{"hour": 4, "minute": 9}
